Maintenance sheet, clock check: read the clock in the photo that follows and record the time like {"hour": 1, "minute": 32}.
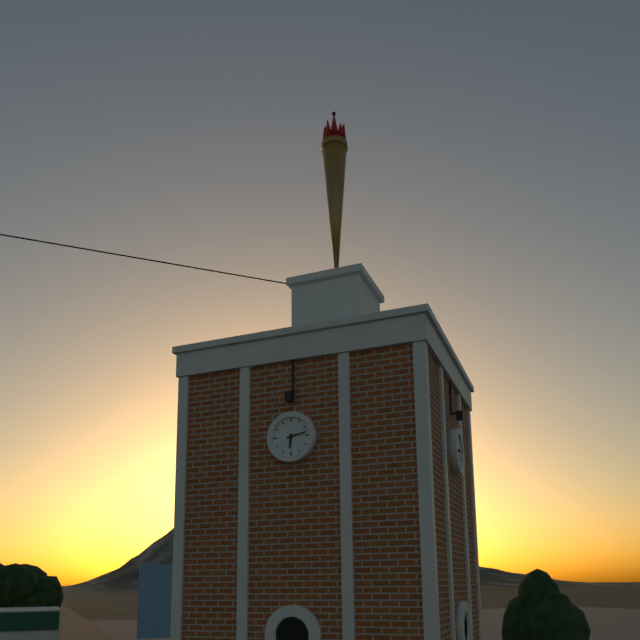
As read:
{"hour": 6, "minute": 13}
